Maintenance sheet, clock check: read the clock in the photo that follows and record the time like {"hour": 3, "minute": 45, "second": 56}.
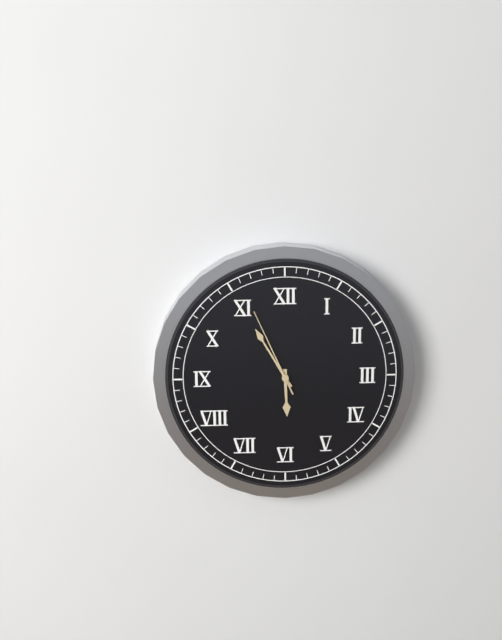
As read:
{"hour": 5, "minute": 55, "second": 56}
